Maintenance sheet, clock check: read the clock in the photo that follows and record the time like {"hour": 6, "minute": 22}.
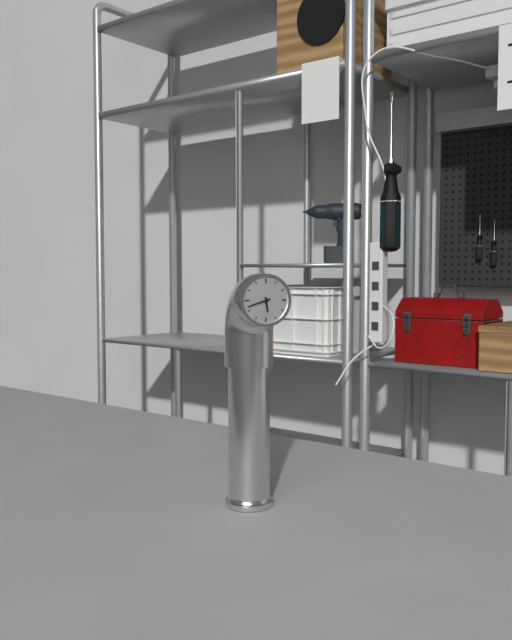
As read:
{"hour": 5, "minute": 42}
